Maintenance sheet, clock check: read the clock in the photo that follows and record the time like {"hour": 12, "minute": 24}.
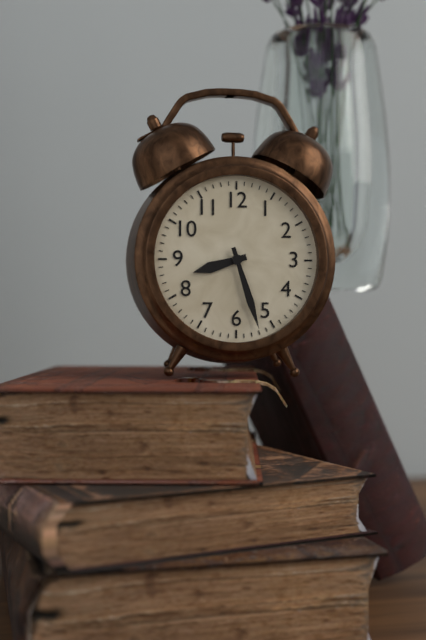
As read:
{"hour": 8, "minute": 27}
